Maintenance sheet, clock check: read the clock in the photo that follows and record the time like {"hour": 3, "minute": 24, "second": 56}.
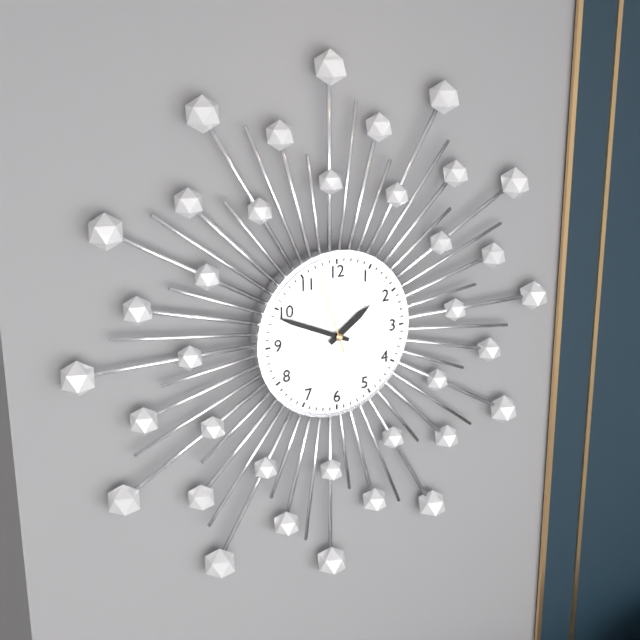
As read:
{"hour": 1, "minute": 49, "second": 57}
